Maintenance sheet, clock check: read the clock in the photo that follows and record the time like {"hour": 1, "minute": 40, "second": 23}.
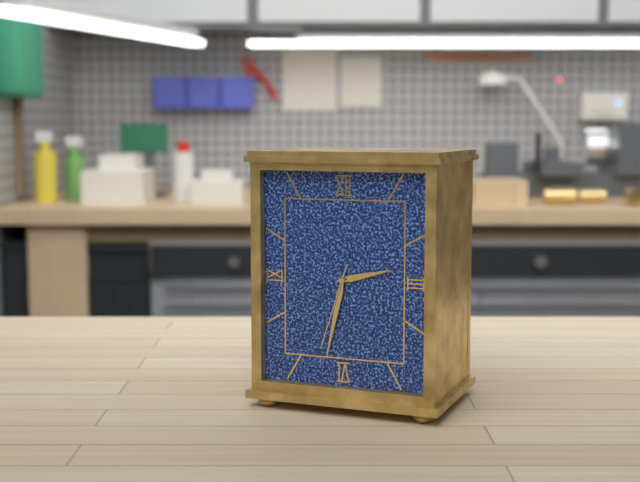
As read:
{"hour": 2, "minute": 32, "second": 33}
